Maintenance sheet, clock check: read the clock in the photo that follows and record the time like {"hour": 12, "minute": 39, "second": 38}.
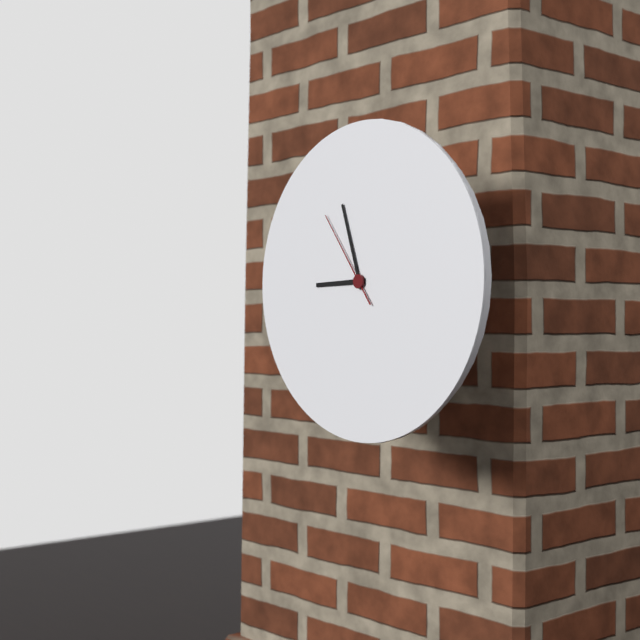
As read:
{"hour": 8, "minute": 57, "second": 54}
